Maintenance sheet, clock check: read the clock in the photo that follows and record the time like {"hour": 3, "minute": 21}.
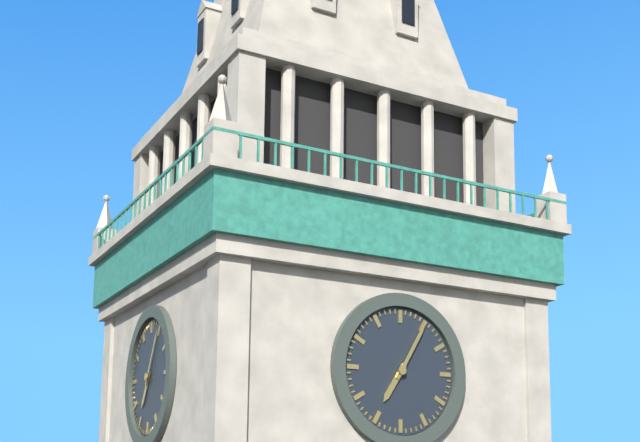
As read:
{"hour": 7, "minute": 5}
